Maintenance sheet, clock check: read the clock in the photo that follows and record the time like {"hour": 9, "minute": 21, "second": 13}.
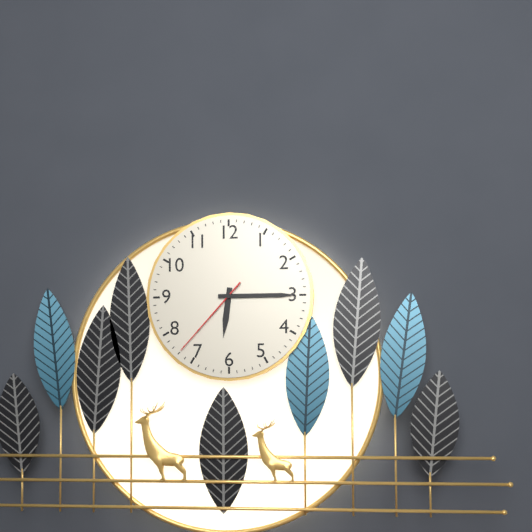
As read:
{"hour": 6, "minute": 15, "second": 37}
